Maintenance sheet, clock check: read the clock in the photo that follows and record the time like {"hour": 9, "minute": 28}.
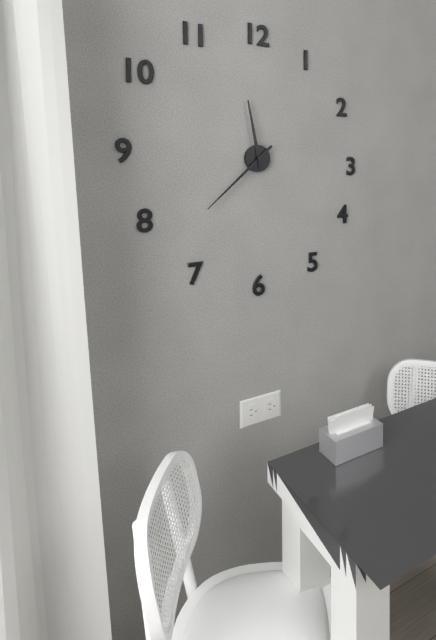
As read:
{"hour": 11, "minute": 38}
